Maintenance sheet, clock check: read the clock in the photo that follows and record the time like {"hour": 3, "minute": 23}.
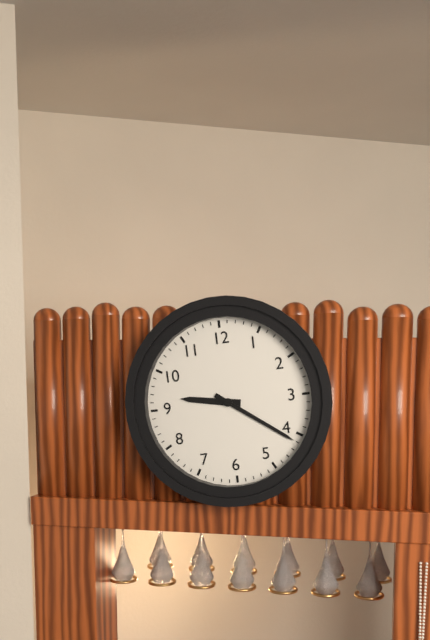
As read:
{"hour": 9, "minute": 21}
